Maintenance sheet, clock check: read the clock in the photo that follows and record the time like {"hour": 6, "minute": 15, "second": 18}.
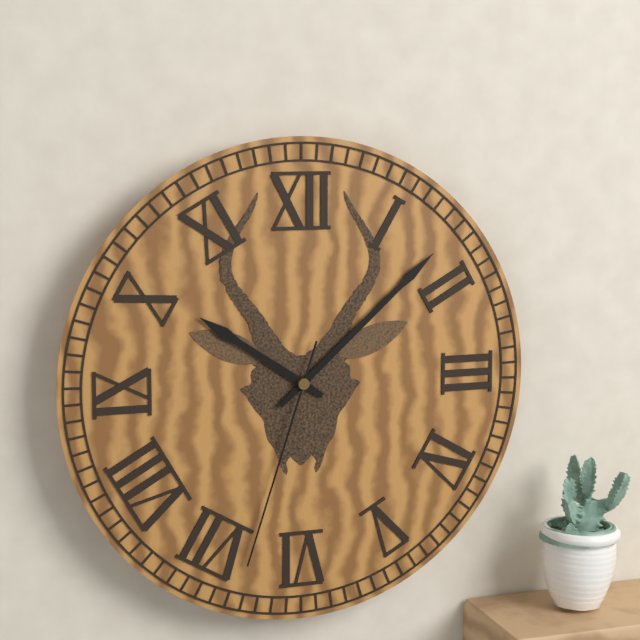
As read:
{"hour": 10, "minute": 8, "second": 33}
